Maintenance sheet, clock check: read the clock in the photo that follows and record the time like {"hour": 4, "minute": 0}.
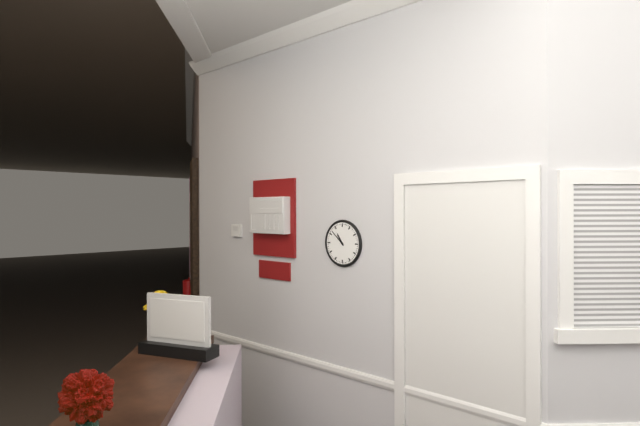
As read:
{"hour": 10, "minute": 52}
